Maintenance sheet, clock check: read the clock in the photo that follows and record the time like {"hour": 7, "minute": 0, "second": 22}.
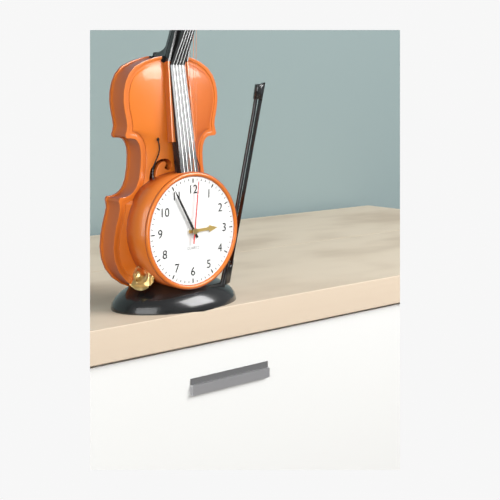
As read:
{"hour": 2, "minute": 55, "second": 1}
